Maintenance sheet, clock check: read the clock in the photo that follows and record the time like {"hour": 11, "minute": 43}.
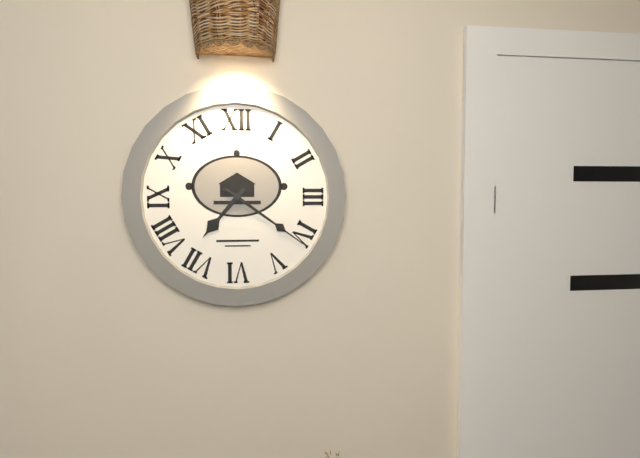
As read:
{"hour": 7, "minute": 21}
